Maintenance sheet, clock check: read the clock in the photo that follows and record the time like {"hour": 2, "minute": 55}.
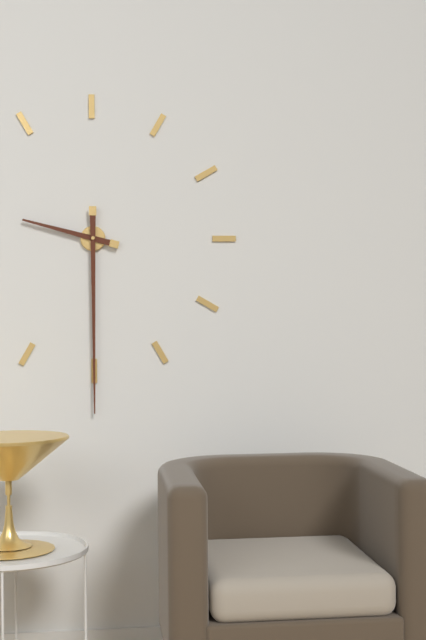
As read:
{"hour": 9, "minute": 30}
